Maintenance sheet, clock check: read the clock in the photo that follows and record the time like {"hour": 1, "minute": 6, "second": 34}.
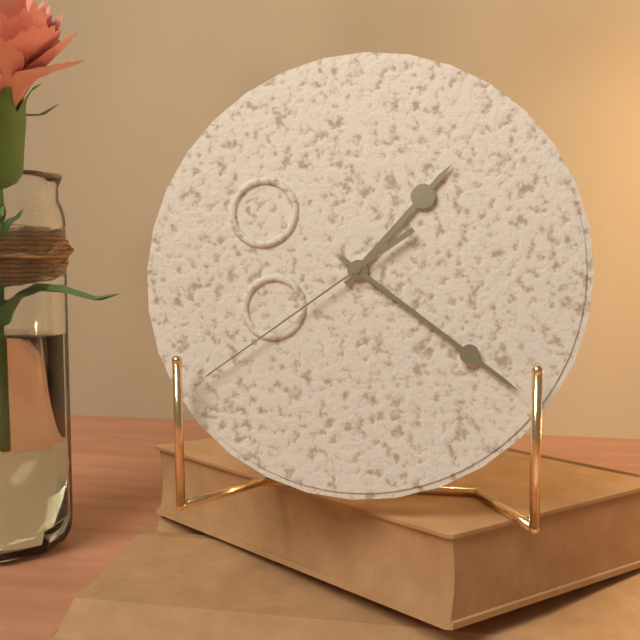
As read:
{"hour": 1, "minute": 21, "second": 39}
